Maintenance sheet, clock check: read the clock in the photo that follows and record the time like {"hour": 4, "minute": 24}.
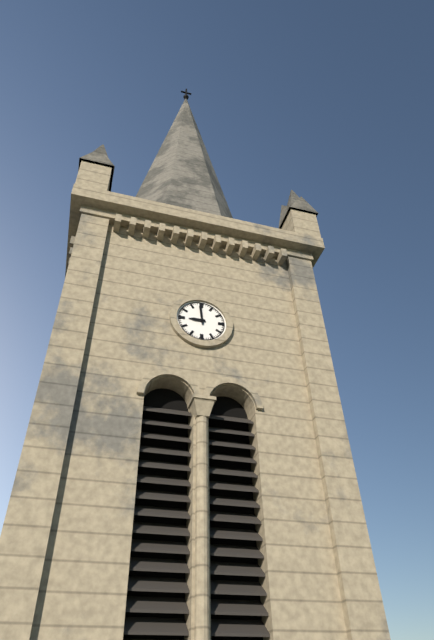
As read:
{"hour": 8, "minute": 59}
